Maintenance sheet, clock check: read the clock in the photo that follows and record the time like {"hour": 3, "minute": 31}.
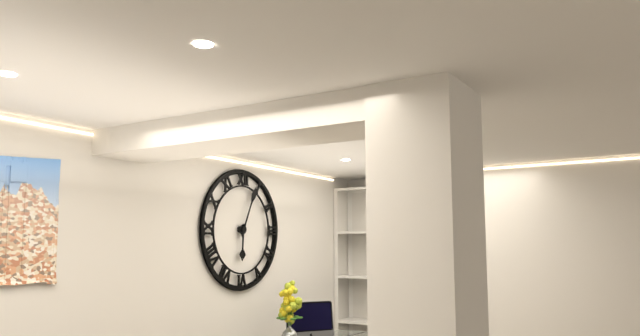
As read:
{"hour": 6, "minute": 4}
